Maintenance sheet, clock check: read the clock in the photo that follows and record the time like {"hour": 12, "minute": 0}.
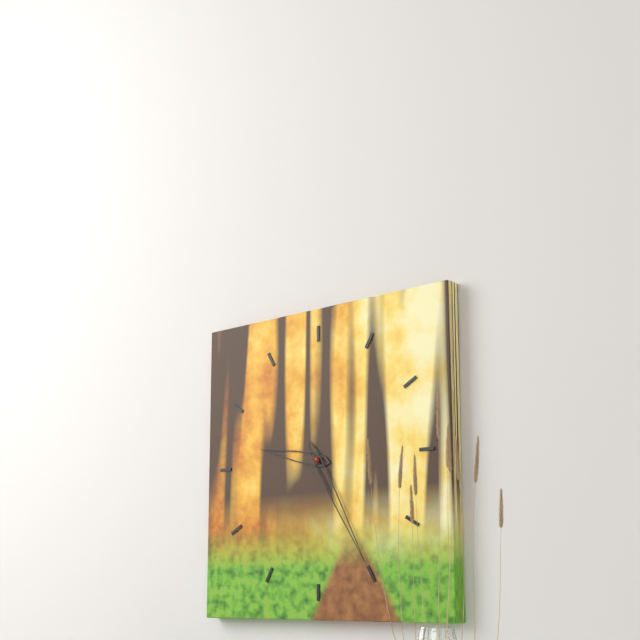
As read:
{"hour": 9, "minute": 25}
